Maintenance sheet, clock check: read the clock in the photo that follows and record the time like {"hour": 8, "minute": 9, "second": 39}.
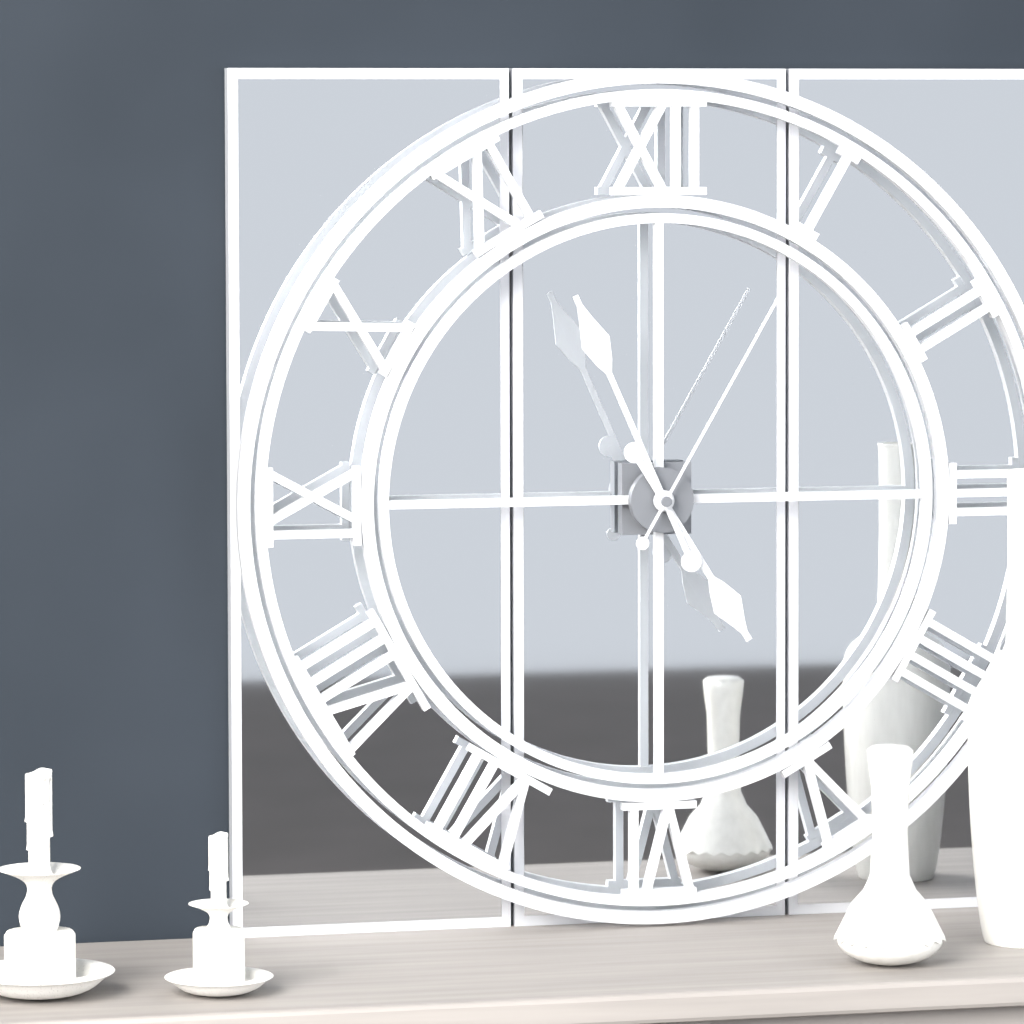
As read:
{"hour": 4, "minute": 56, "second": 5}
